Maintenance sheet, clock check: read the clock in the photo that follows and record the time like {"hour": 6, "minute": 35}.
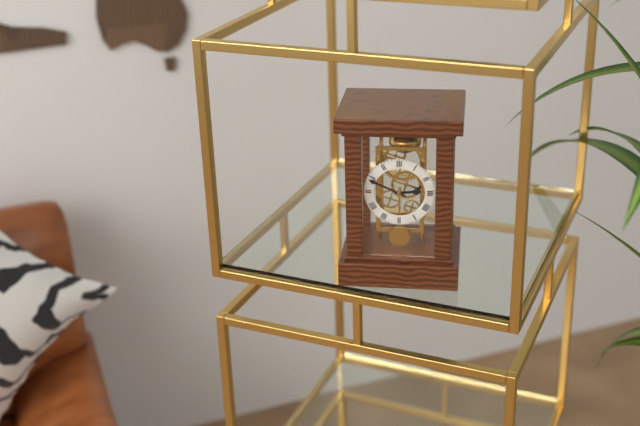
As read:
{"hour": 2, "minute": 49}
